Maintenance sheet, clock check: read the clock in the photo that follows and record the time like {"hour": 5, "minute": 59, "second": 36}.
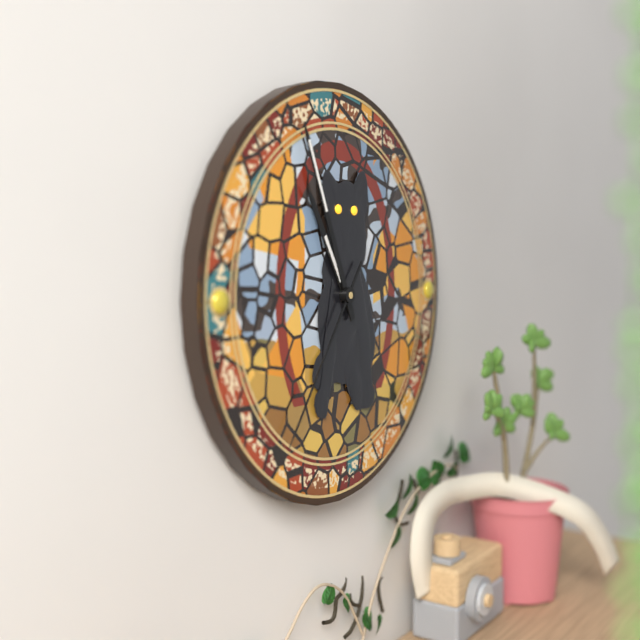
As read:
{"hour": 10, "minute": 56, "second": 36}
